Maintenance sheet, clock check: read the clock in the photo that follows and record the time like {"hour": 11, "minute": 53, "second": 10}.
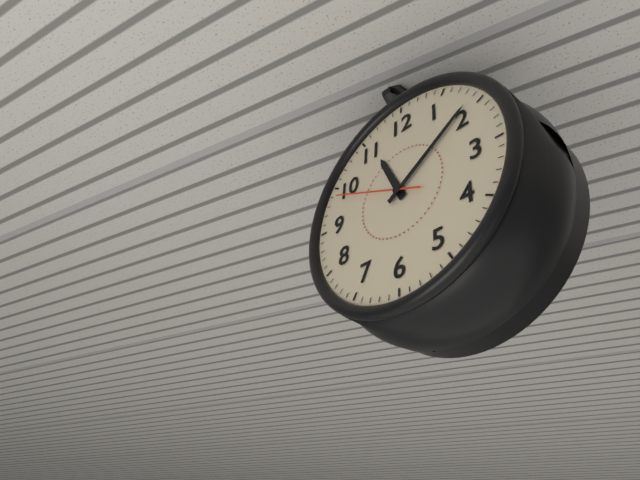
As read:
{"hour": 11, "minute": 9, "second": 49}
